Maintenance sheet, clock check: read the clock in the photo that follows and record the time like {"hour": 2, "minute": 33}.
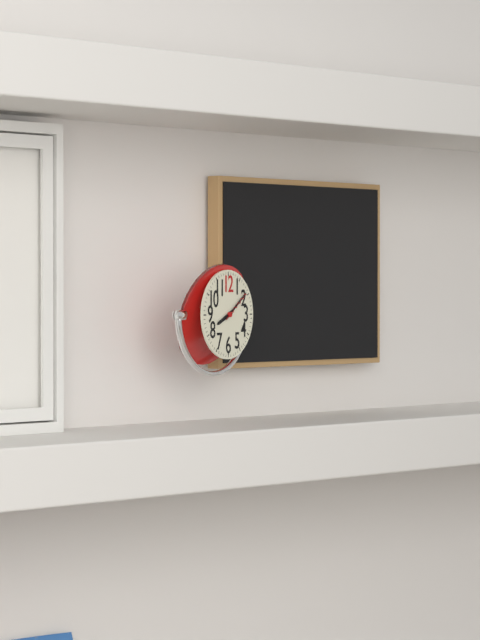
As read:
{"hour": 8, "minute": 9}
